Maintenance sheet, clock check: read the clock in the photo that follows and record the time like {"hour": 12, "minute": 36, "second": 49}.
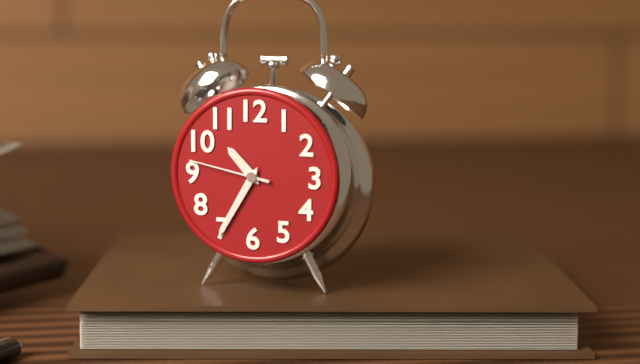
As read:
{"hour": 10, "minute": 35, "second": 47}
